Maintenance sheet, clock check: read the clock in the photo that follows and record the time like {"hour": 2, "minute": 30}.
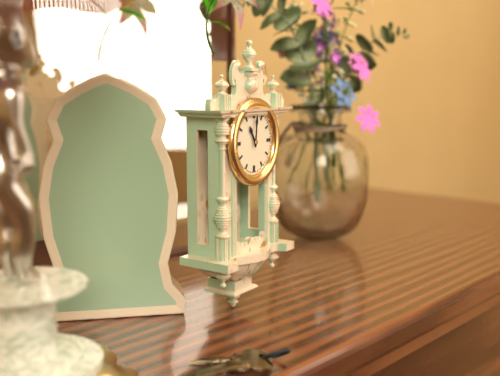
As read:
{"hour": 11, "minute": 1}
